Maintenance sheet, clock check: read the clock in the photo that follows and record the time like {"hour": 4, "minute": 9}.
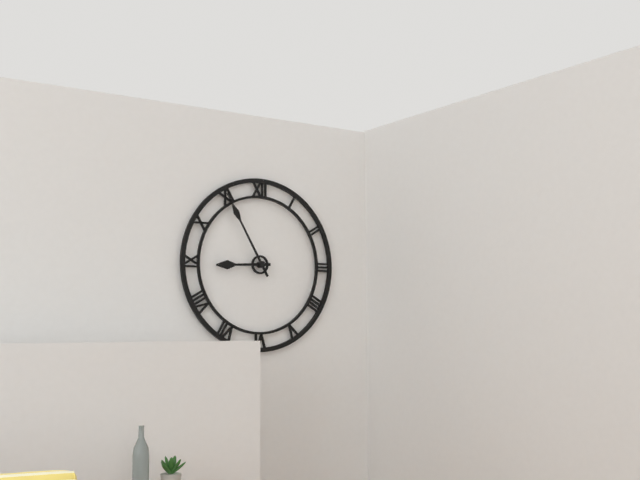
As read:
{"hour": 8, "minute": 55}
